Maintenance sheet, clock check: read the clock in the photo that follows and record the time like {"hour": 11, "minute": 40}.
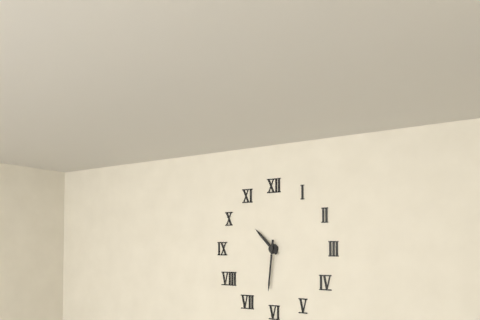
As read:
{"hour": 10, "minute": 31}
